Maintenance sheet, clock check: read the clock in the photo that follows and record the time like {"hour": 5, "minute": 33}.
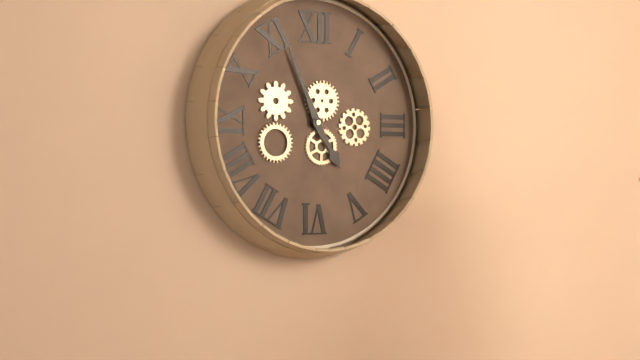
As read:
{"hour": 4, "minute": 56}
